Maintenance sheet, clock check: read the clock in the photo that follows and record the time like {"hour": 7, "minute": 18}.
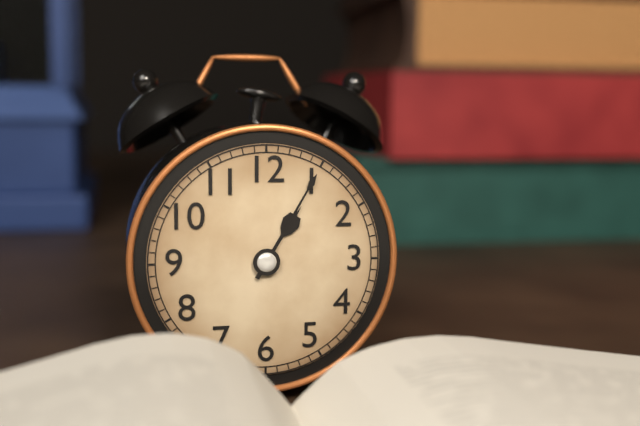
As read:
{"hour": 1, "minute": 5}
